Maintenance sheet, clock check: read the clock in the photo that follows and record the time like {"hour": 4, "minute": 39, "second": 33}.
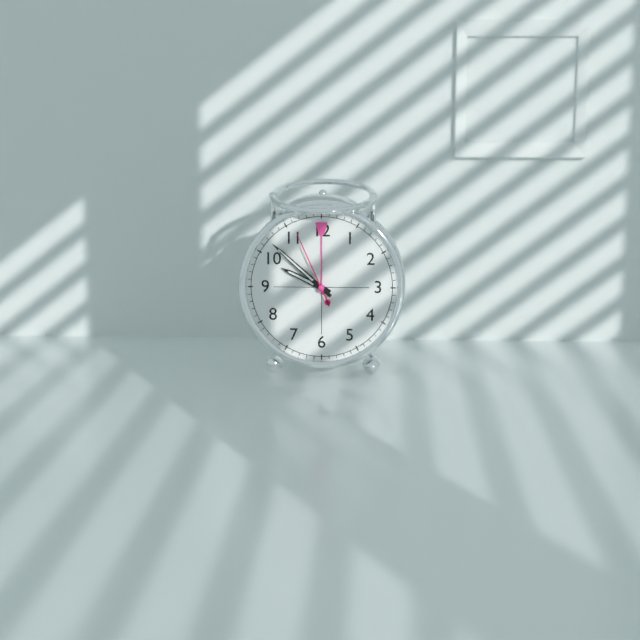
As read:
{"hour": 9, "minute": 52, "second": 56}
